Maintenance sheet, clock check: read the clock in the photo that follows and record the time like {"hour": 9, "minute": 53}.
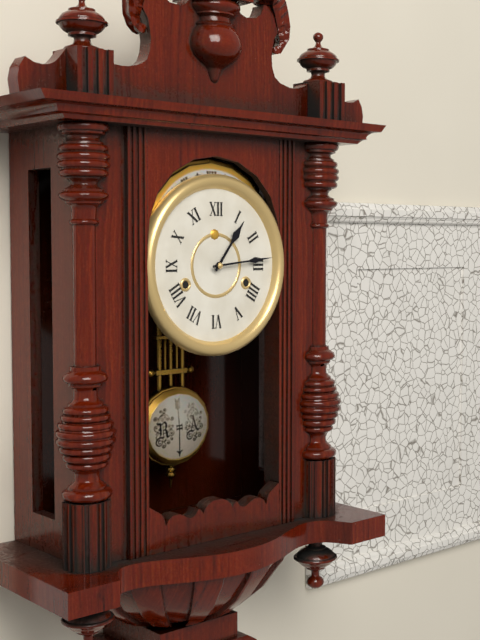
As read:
{"hour": 1, "minute": 14}
